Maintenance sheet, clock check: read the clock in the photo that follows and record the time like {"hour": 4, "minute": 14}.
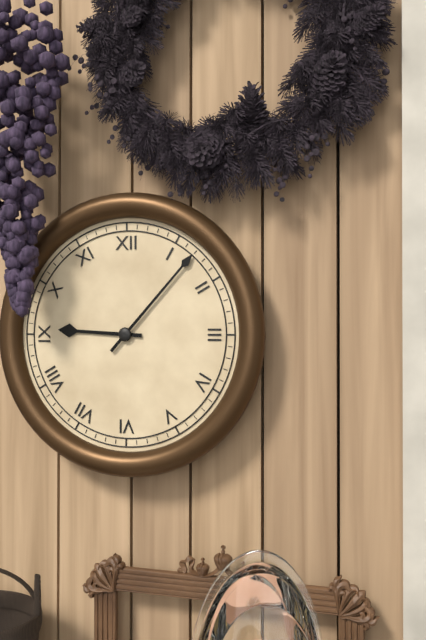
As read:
{"hour": 9, "minute": 7}
